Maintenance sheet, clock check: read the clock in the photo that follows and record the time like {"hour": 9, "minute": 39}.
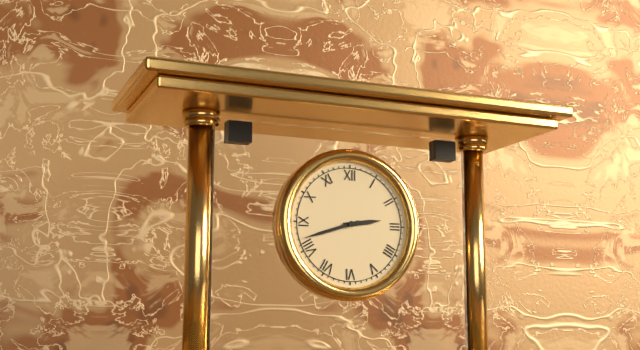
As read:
{"hour": 2, "minute": 42}
